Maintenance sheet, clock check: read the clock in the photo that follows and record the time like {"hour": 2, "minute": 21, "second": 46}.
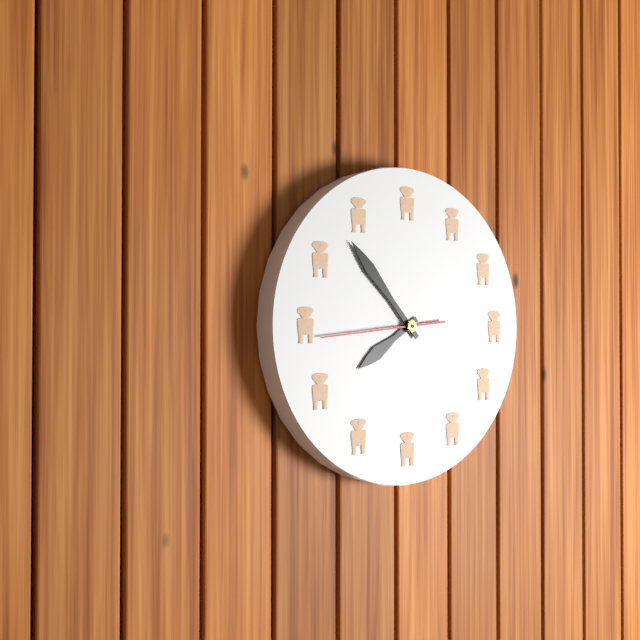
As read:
{"hour": 7, "minute": 53, "second": 44}
